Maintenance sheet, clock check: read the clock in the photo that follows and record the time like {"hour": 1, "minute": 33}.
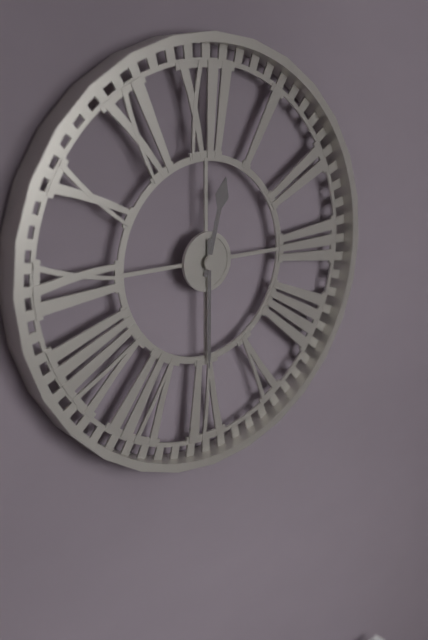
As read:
{"hour": 12, "minute": 30}
